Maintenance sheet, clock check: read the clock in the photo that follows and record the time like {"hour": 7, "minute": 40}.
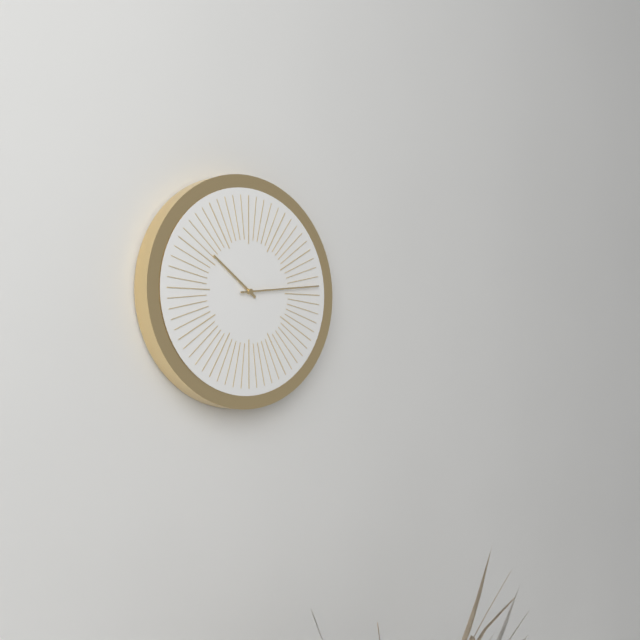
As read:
{"hour": 10, "minute": 14}
